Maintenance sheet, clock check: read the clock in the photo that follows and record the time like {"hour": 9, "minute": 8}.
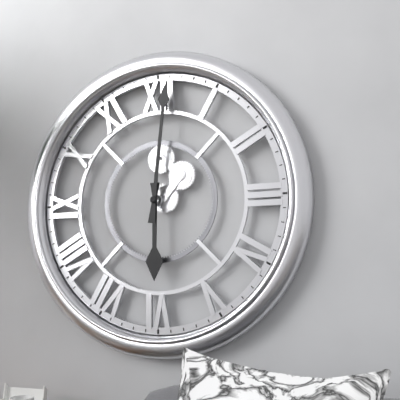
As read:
{"hour": 6, "minute": 1}
